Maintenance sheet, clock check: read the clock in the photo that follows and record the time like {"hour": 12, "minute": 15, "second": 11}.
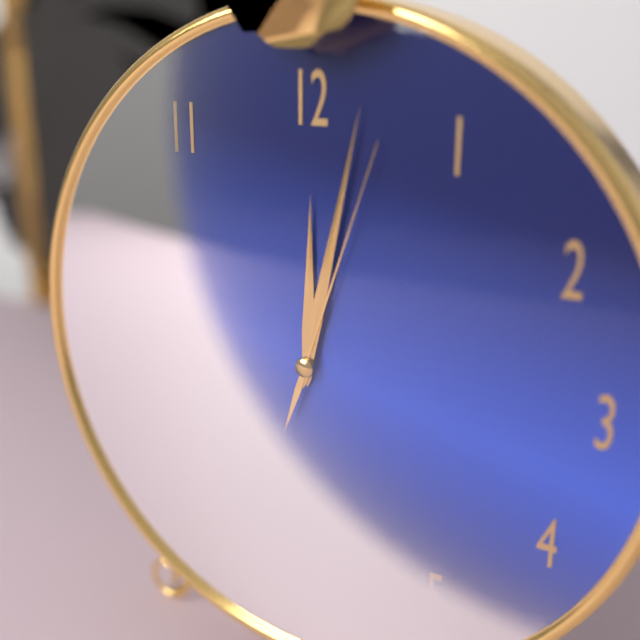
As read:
{"hour": 12, "minute": 2, "second": 3}
